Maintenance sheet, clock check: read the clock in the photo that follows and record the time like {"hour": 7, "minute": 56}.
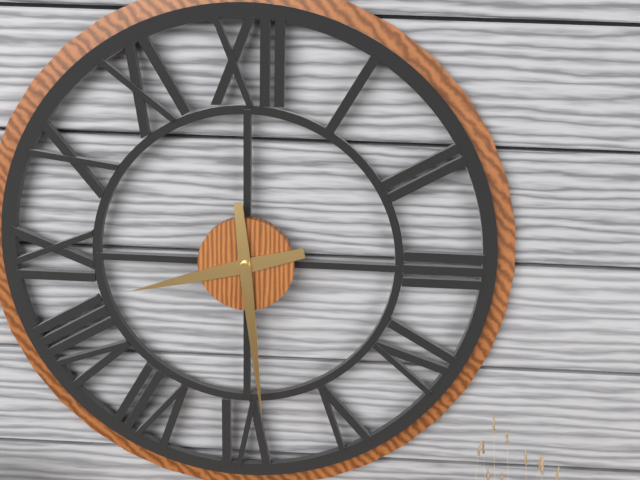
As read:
{"hour": 8, "minute": 29}
